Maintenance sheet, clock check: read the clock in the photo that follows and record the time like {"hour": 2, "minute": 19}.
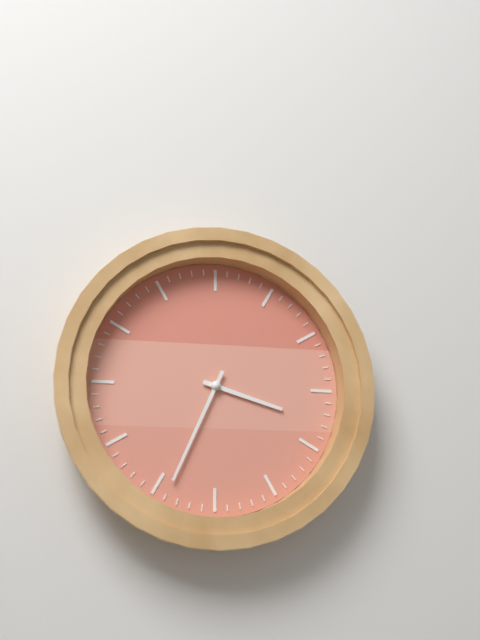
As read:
{"hour": 3, "minute": 34}
